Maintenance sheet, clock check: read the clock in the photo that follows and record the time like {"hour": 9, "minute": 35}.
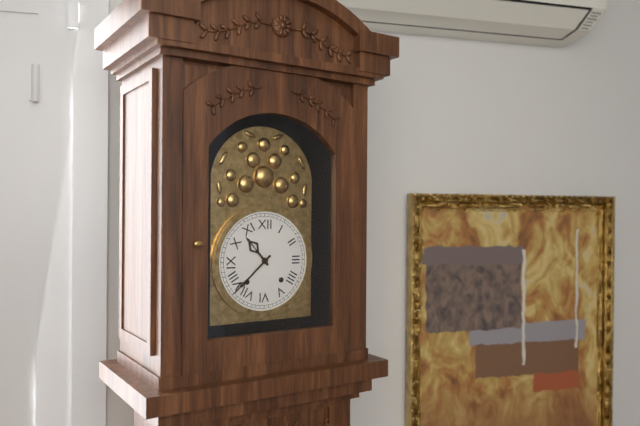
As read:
{"hour": 10, "minute": 38}
